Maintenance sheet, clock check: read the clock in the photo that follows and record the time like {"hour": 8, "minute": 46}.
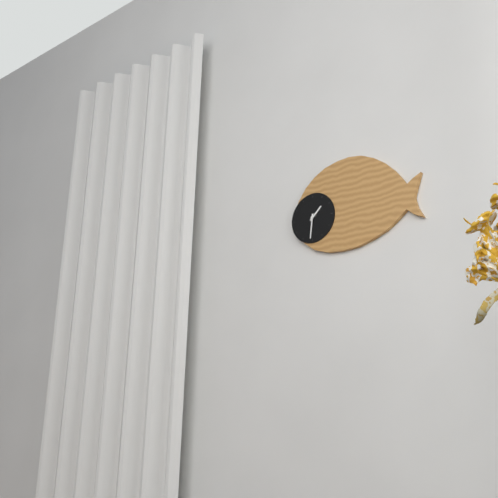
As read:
{"hour": 1, "minute": 31}
